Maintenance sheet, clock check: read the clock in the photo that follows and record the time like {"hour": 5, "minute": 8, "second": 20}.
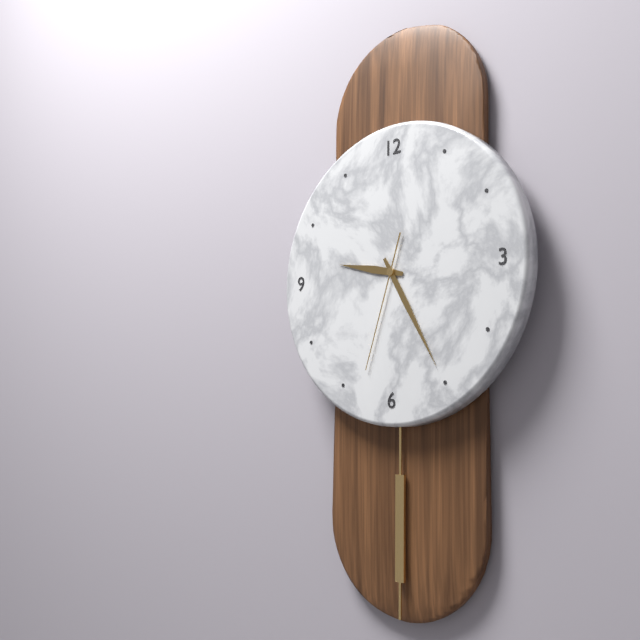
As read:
{"hour": 9, "minute": 25, "second": 33}
